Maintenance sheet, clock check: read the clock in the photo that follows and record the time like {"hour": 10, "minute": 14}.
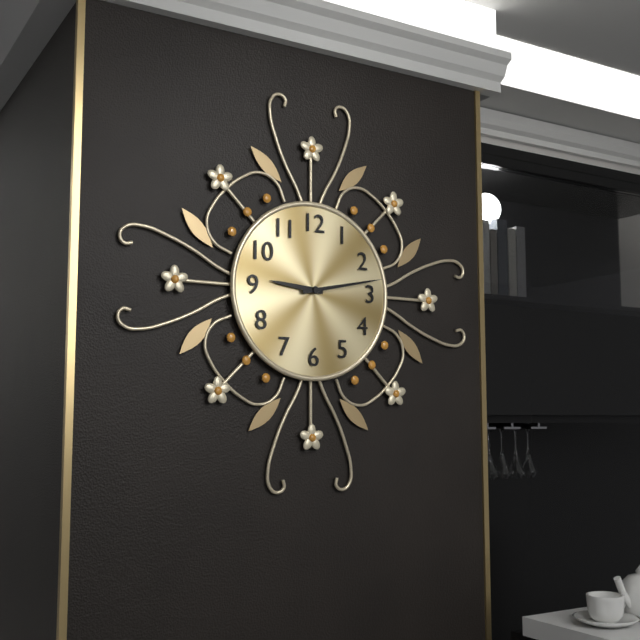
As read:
{"hour": 9, "minute": 13}
